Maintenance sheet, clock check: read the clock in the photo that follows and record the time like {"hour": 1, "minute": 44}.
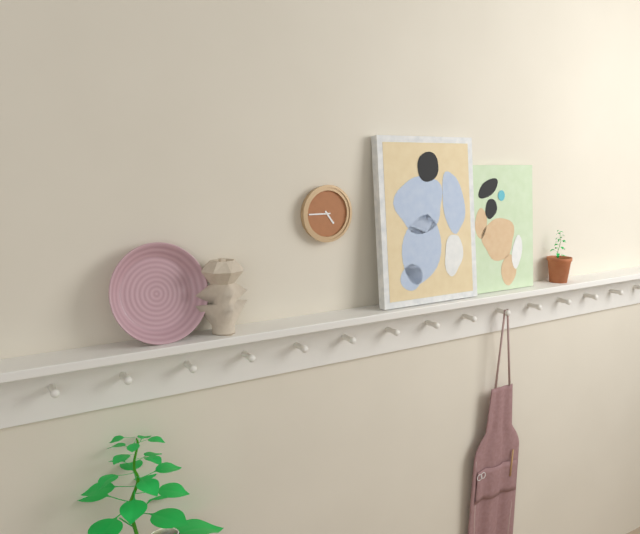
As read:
{"hour": 4, "minute": 45}
